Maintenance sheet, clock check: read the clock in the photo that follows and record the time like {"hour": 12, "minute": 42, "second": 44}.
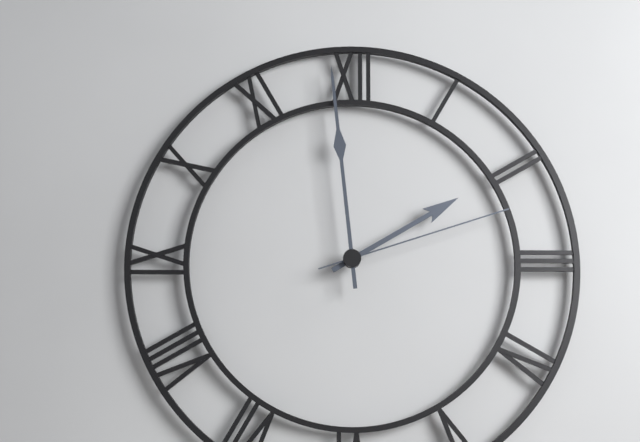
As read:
{"hour": 1, "minute": 59, "second": 12}
